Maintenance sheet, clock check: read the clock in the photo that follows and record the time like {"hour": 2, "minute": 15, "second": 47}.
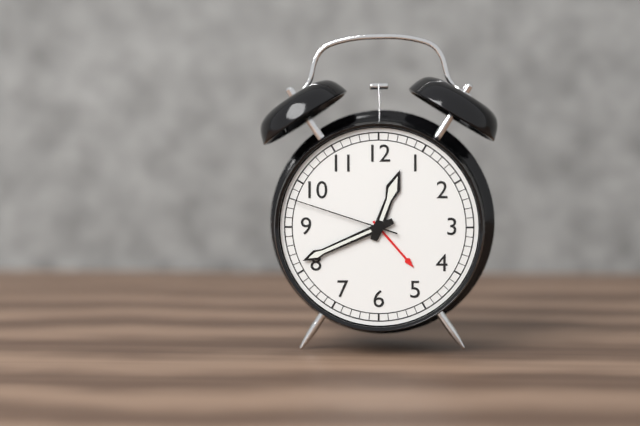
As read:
{"hour": 12, "minute": 41, "second": 48}
